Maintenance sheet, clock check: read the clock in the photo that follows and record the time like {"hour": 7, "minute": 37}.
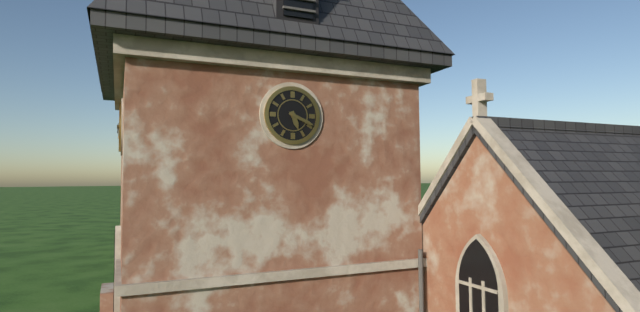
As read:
{"hour": 5, "minute": 19}
